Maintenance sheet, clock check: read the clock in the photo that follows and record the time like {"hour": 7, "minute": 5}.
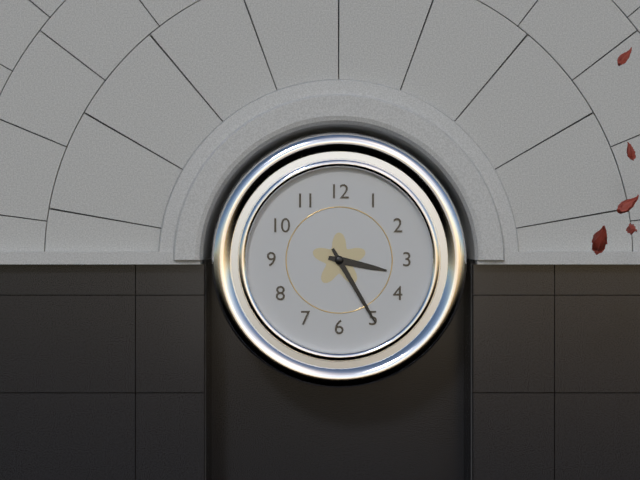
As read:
{"hour": 3, "minute": 25}
